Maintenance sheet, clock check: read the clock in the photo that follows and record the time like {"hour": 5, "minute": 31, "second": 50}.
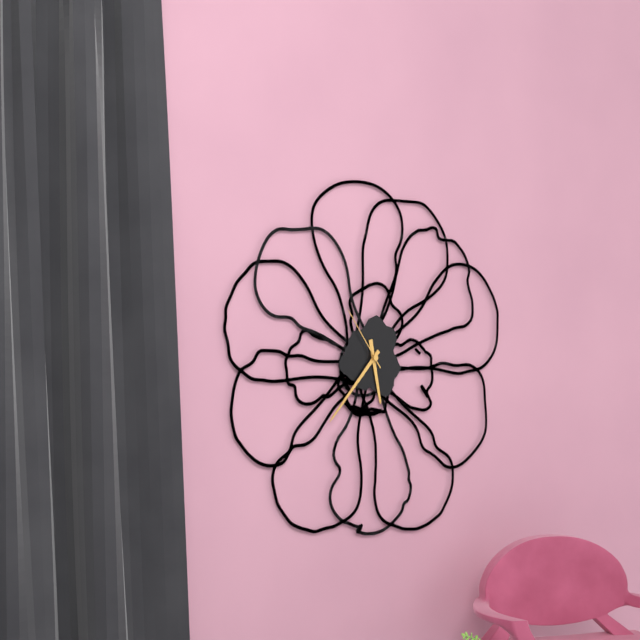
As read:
{"hour": 5, "minute": 37, "second": 54}
